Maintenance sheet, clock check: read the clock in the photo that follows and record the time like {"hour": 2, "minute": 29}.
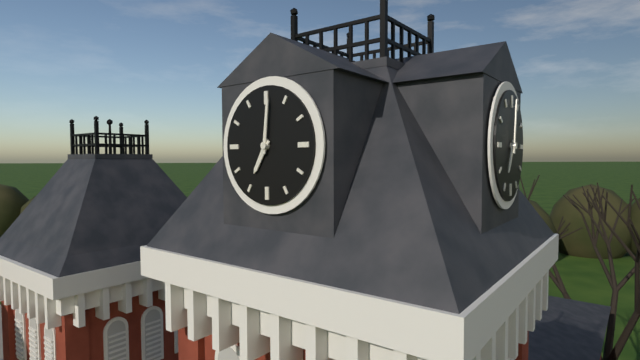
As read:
{"hour": 7, "minute": 1}
